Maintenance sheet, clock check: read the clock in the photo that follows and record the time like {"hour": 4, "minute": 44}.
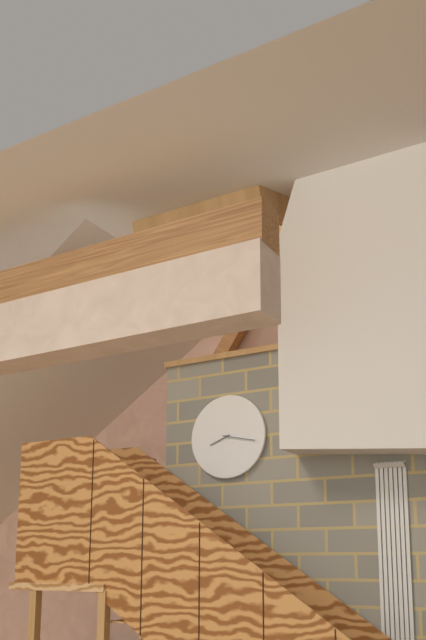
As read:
{"hour": 8, "minute": 17}
